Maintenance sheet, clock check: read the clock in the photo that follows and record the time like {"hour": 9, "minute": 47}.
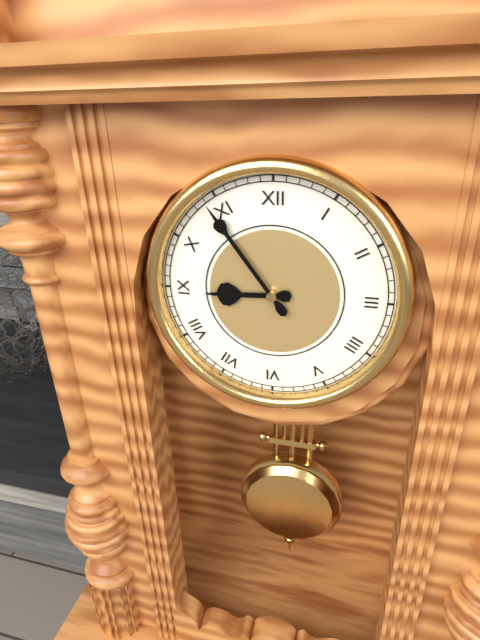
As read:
{"hour": 8, "minute": 54}
